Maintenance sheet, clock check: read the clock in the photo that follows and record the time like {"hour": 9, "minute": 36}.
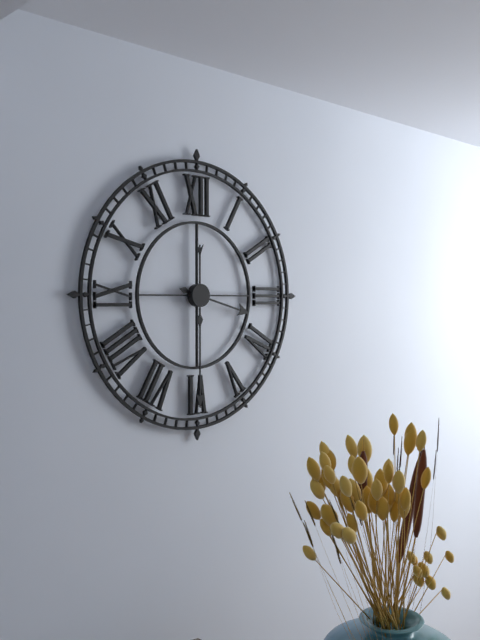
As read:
{"hour": 3, "minute": 30}
